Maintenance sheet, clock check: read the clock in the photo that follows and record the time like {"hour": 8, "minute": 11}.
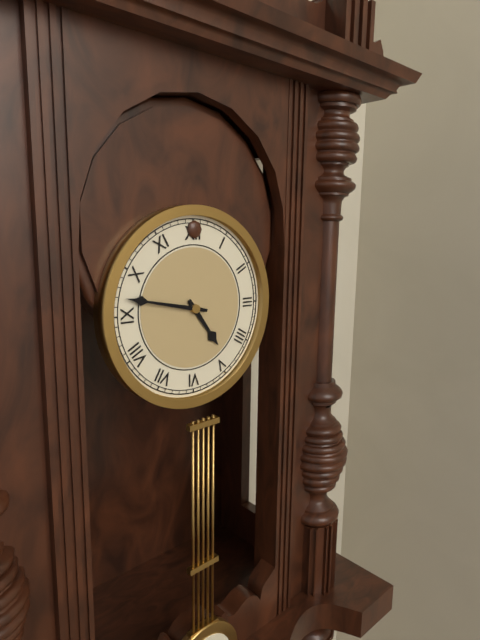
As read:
{"hour": 4, "minute": 47}
